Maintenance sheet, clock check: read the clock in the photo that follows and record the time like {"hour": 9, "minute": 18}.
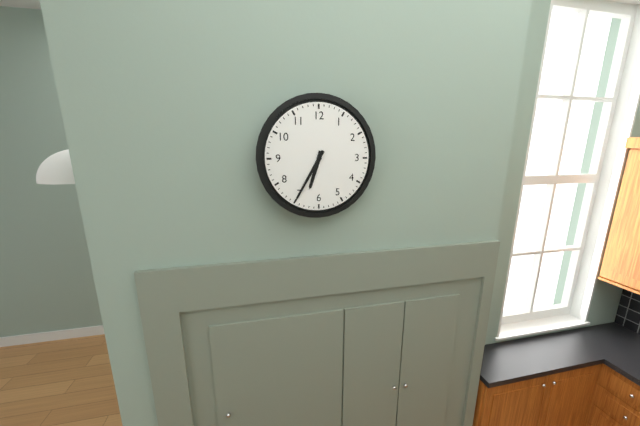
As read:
{"hour": 6, "minute": 35}
